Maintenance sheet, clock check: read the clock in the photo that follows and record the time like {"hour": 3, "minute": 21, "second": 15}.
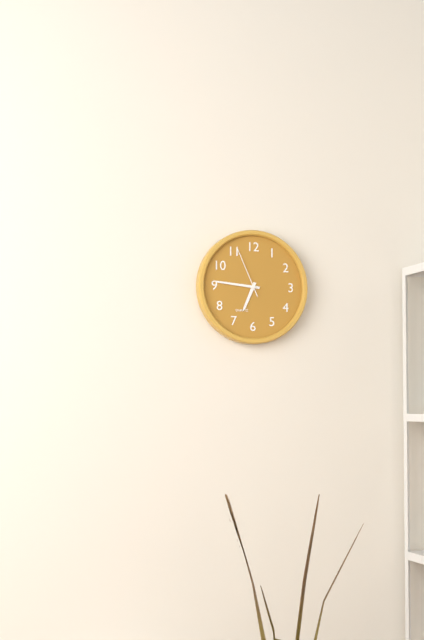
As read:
{"hour": 6, "minute": 46, "second": 56}
